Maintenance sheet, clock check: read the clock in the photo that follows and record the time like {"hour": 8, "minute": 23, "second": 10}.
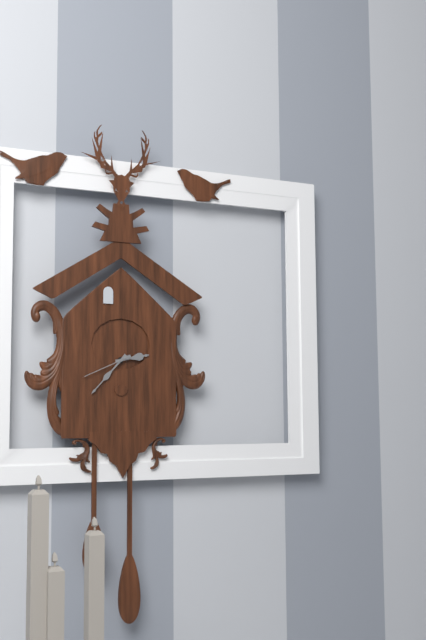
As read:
{"hour": 2, "minute": 37, "second": 41}
